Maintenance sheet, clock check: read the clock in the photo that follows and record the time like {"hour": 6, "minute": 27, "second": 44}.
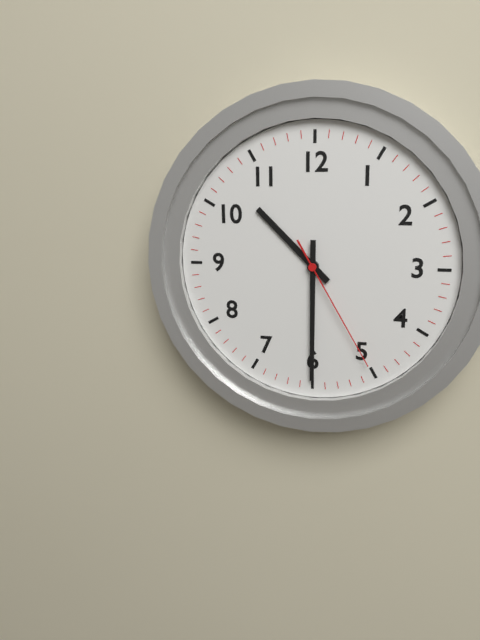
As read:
{"hour": 10, "minute": 30, "second": 25}
